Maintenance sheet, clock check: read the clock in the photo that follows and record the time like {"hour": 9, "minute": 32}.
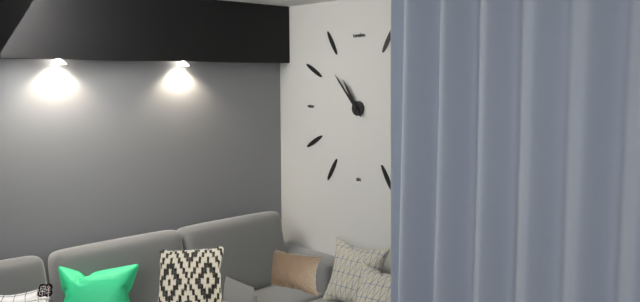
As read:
{"hour": 10, "minute": 53}
